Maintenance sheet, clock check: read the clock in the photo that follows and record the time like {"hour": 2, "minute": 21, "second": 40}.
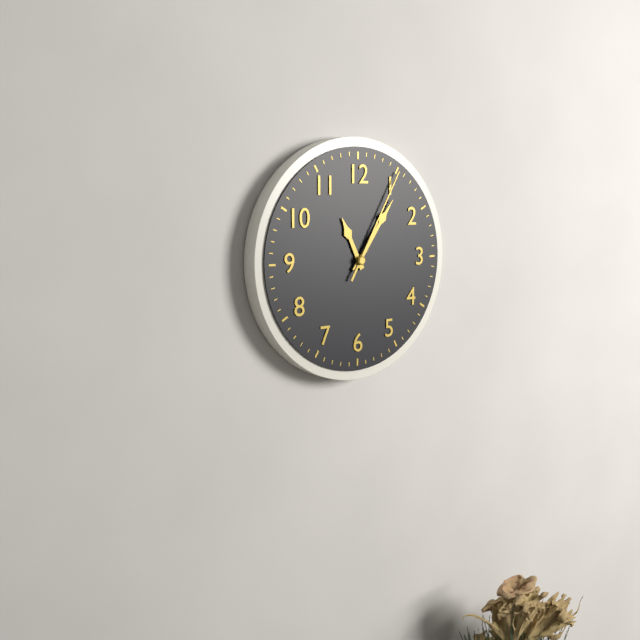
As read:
{"hour": 11, "minute": 6, "second": 5}
